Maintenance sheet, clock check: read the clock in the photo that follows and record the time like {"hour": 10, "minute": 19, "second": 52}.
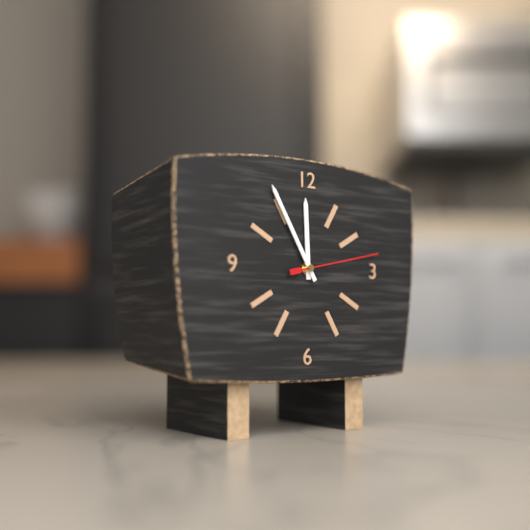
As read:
{"hour": 11, "minute": 55, "second": 13}
